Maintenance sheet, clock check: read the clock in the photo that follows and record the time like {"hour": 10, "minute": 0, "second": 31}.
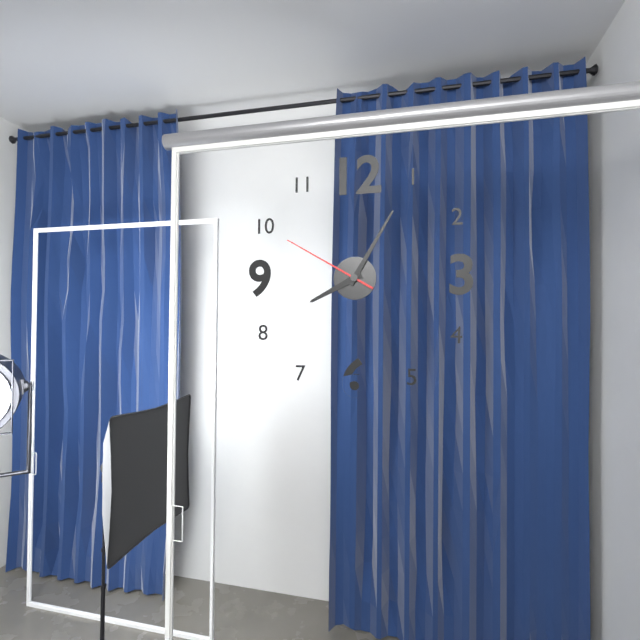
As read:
{"hour": 8, "minute": 5, "second": 50}
